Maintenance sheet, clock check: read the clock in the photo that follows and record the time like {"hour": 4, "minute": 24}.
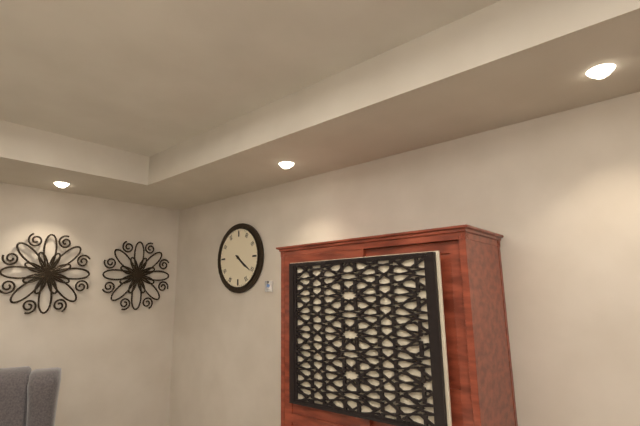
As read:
{"hour": 4, "minute": 21}
